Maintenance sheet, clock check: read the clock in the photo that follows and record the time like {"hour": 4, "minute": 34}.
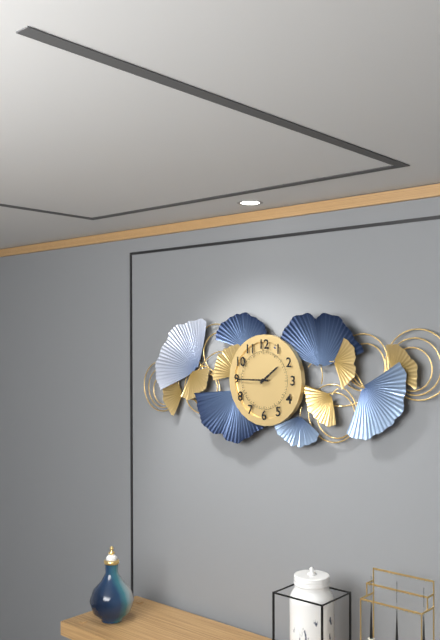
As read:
{"hour": 1, "minute": 45}
